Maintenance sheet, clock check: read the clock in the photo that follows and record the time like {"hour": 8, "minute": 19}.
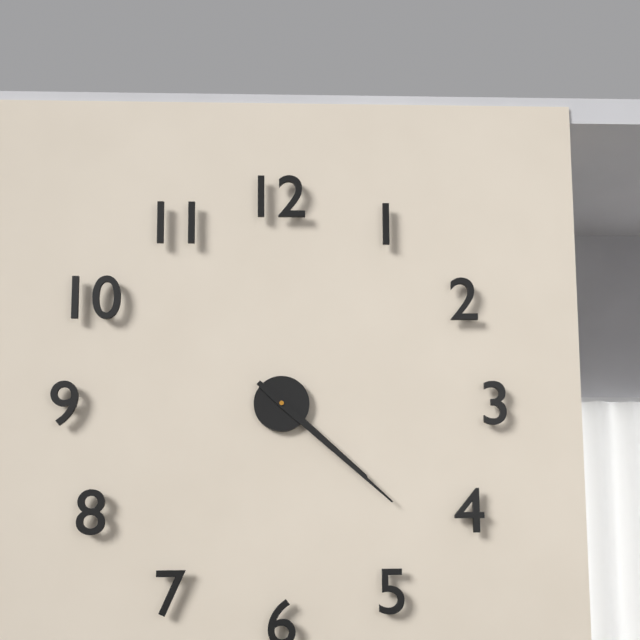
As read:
{"hour": 4, "minute": 22}
